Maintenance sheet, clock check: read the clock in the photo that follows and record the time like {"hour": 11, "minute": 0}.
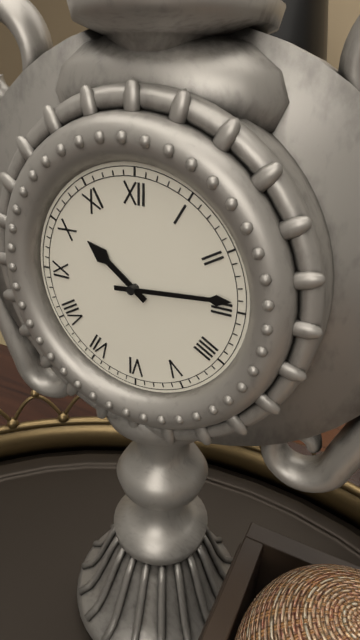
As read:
{"hour": 10, "minute": 14}
